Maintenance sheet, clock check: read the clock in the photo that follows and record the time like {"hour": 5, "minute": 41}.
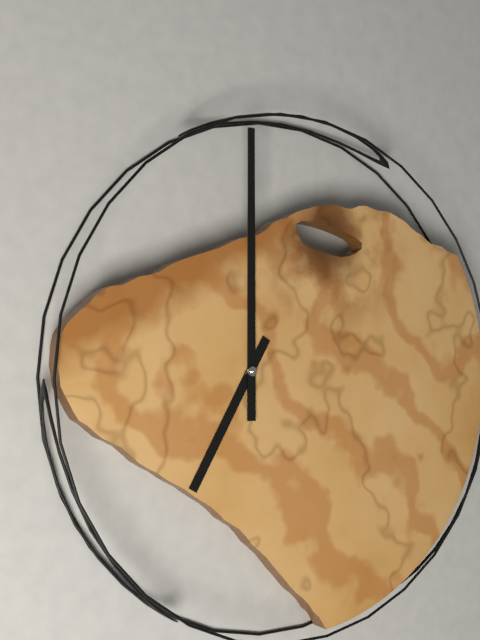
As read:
{"hour": 7, "minute": 0}
